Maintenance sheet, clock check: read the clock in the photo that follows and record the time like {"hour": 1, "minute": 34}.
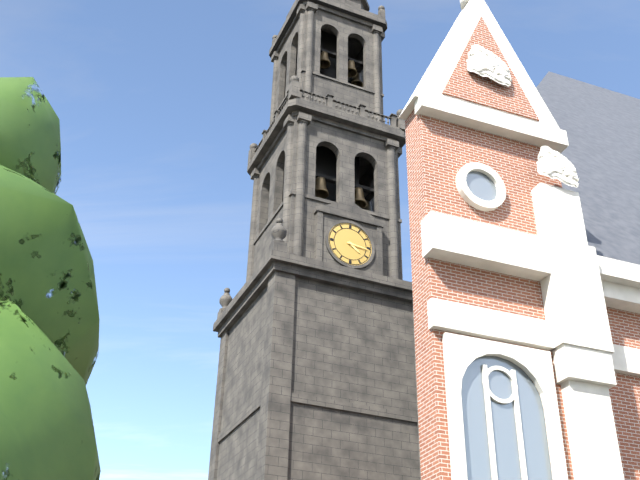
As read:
{"hour": 4, "minute": 16}
